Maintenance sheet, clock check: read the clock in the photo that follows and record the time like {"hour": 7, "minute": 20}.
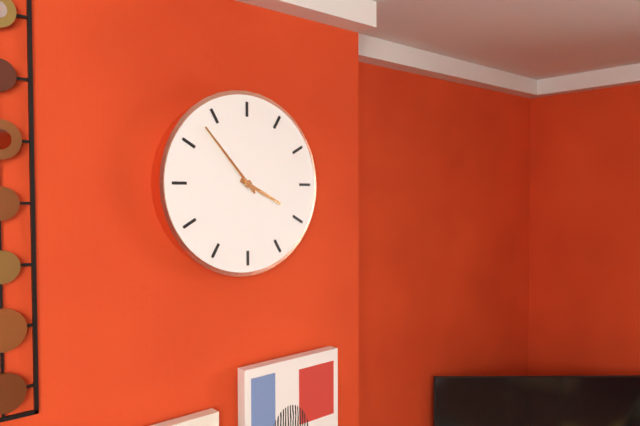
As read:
{"hour": 3, "minute": 53}
